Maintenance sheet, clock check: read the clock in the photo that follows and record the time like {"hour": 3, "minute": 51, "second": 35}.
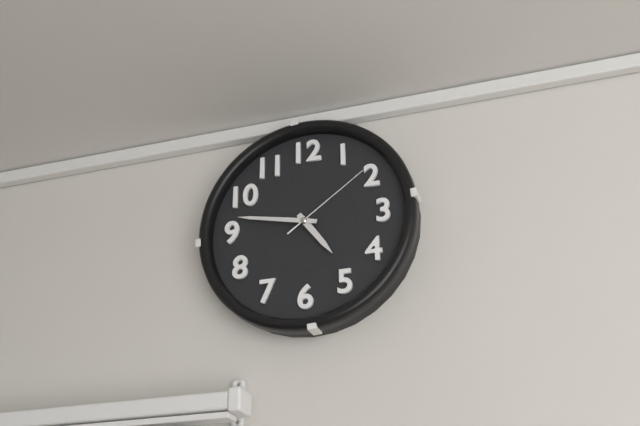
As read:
{"hour": 4, "minute": 47, "second": 9}
